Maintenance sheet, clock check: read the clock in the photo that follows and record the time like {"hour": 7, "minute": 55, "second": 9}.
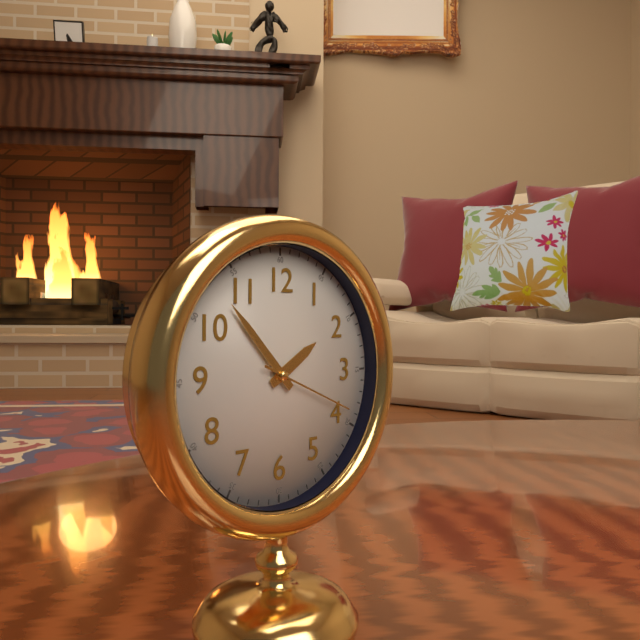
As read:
{"hour": 1, "minute": 53, "second": 19}
